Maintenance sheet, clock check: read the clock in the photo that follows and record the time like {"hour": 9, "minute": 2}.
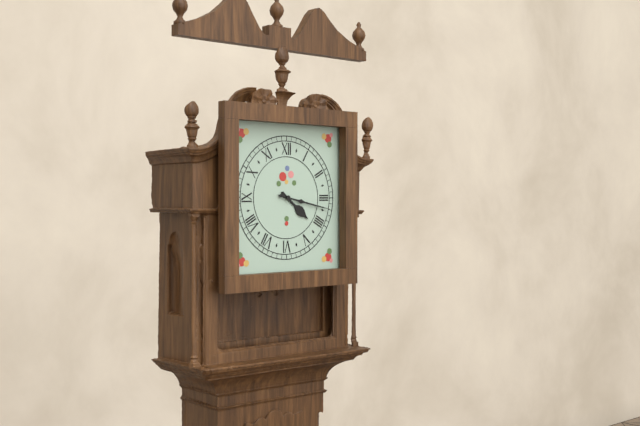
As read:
{"hour": 4, "minute": 17}
